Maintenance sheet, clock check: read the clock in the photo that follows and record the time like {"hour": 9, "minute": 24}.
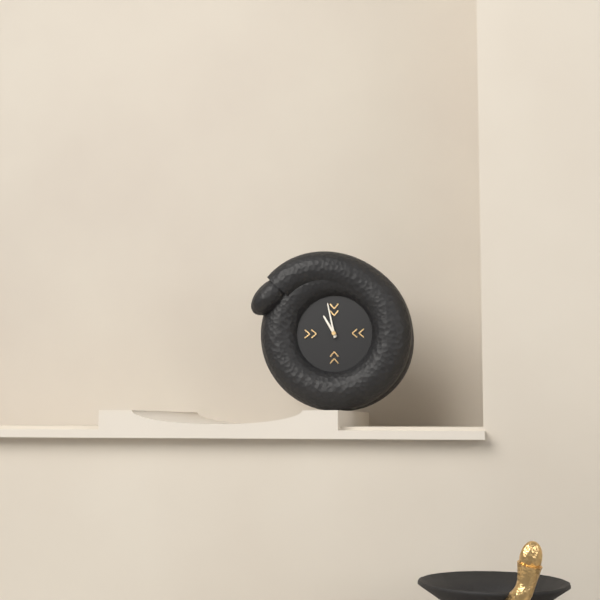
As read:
{"hour": 10, "minute": 58}
